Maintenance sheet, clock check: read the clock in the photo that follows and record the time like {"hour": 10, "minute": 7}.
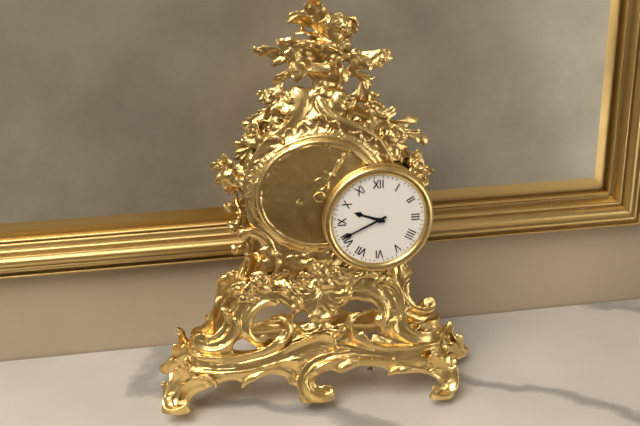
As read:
{"hour": 9, "minute": 41}
